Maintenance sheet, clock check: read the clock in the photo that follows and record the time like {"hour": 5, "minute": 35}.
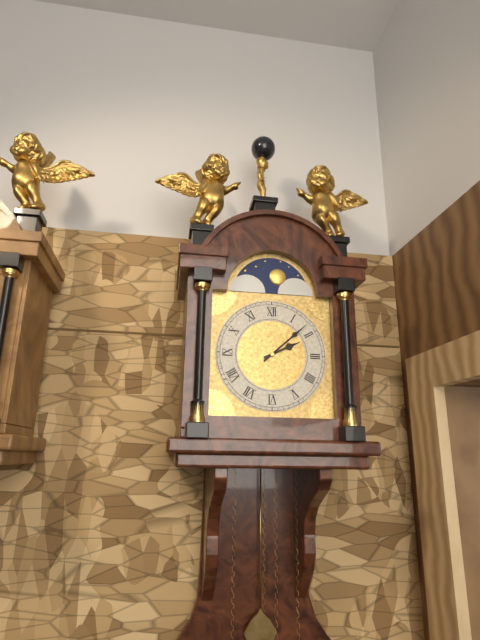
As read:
{"hour": 2, "minute": 8}
